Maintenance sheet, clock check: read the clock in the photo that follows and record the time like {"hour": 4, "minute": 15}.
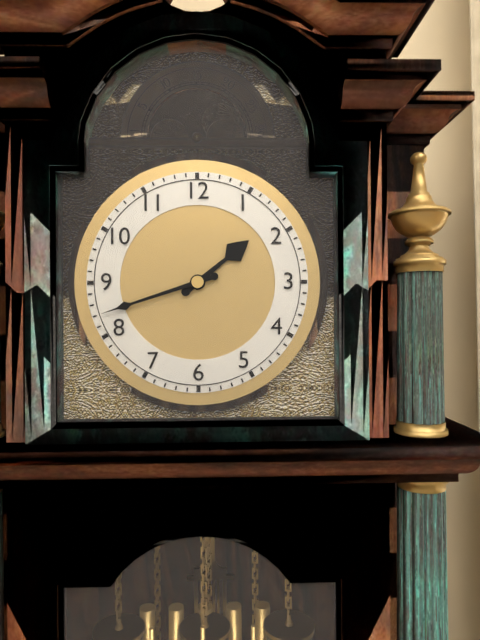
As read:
{"hour": 1, "minute": 42}
